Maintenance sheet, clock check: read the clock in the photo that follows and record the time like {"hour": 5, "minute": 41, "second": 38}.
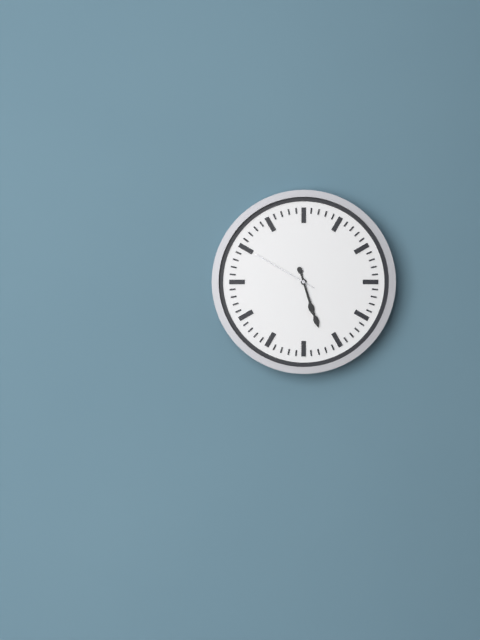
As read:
{"hour": 5, "minute": 27, "second": 50}
